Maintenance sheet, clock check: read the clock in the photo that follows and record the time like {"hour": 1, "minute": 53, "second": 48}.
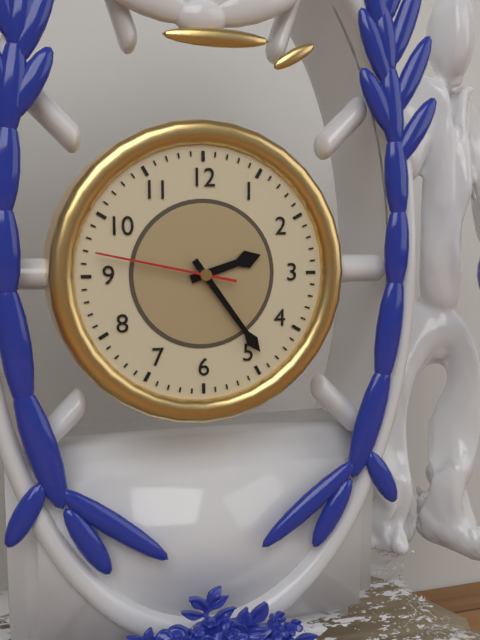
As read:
{"hour": 2, "minute": 24, "second": 47}
